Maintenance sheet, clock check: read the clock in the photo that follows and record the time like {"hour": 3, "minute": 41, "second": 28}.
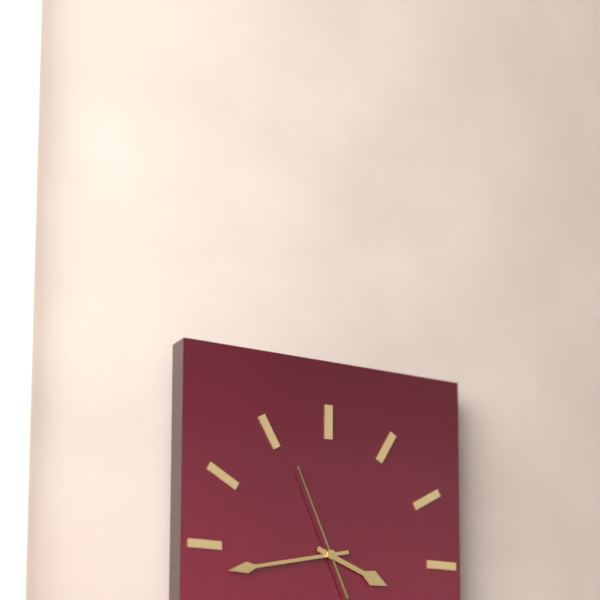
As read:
{"hour": 3, "minute": 43, "second": 56}
